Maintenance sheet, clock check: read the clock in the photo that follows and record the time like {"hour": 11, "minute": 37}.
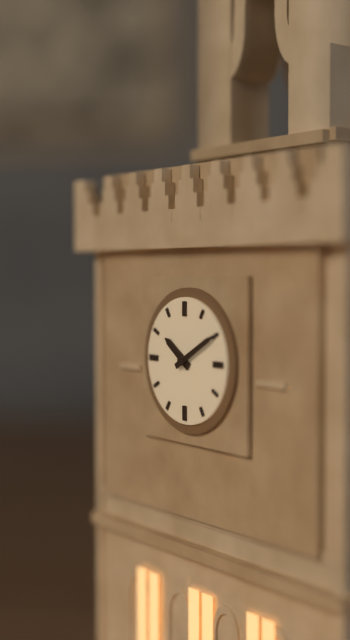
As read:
{"hour": 10, "minute": 10}
